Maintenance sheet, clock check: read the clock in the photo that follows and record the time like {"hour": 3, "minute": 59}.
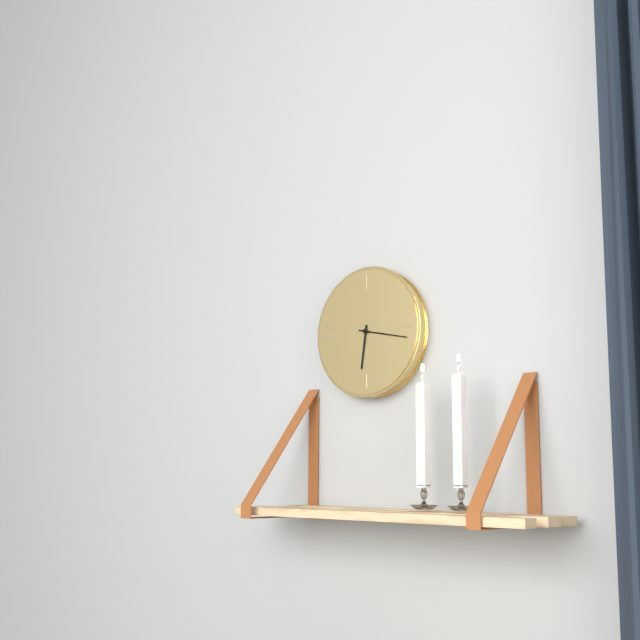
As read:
{"hour": 6, "minute": 17}
